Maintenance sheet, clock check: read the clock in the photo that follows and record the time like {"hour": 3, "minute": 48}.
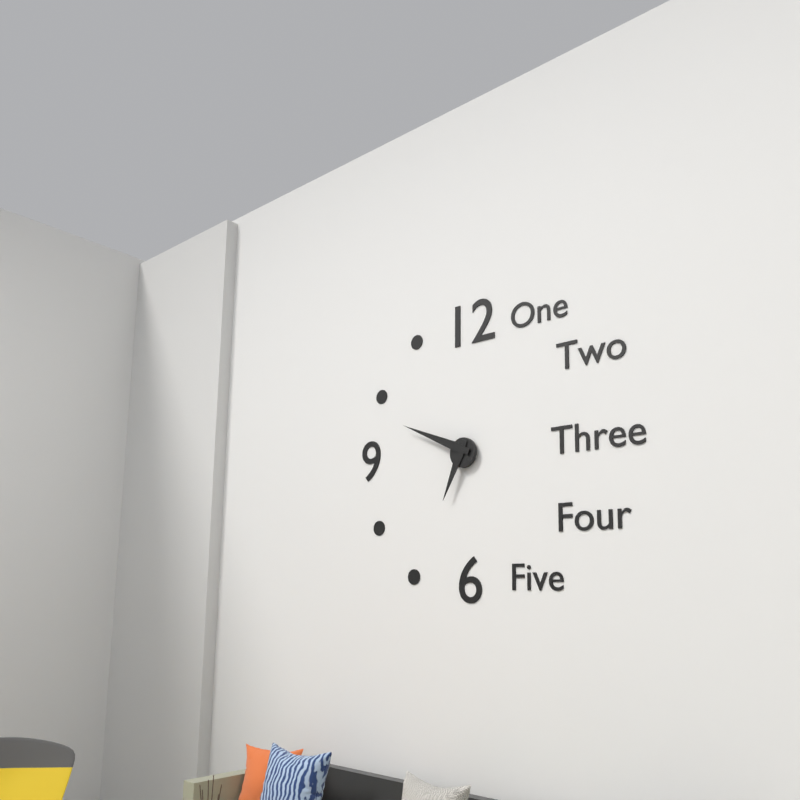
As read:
{"hour": 6, "minute": 49}
